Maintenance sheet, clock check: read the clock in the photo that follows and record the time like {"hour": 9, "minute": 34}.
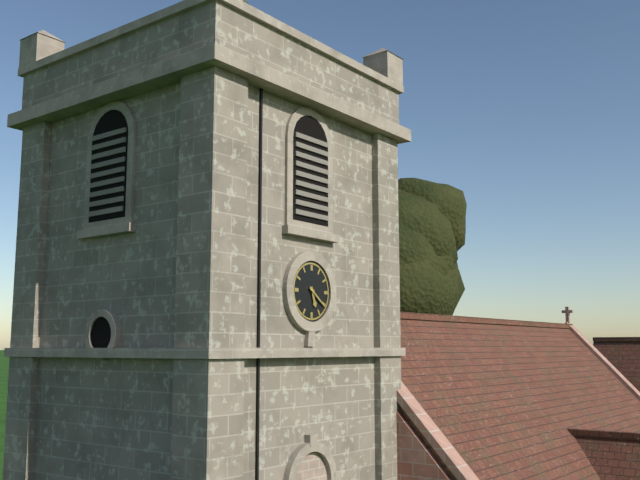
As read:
{"hour": 5, "minute": 21}
